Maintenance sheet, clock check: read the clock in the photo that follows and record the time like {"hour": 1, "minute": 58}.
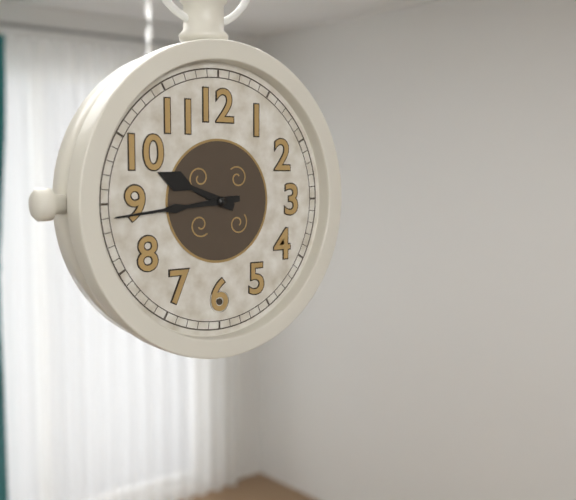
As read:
{"hour": 9, "minute": 44}
